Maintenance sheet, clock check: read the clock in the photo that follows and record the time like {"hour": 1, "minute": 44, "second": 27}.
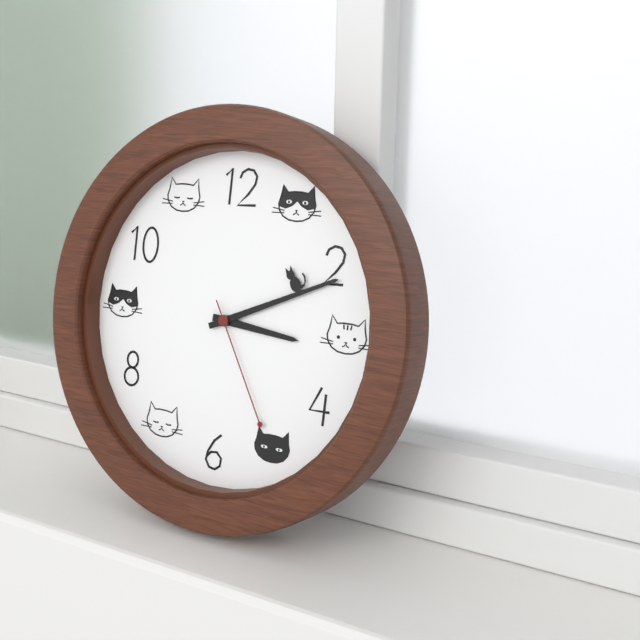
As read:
{"hour": 3, "minute": 11, "second": 25}
